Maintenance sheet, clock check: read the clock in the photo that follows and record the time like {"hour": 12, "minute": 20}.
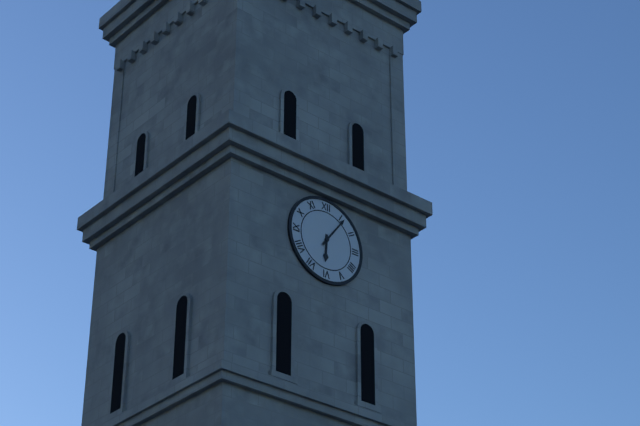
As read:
{"hour": 6, "minute": 6}
